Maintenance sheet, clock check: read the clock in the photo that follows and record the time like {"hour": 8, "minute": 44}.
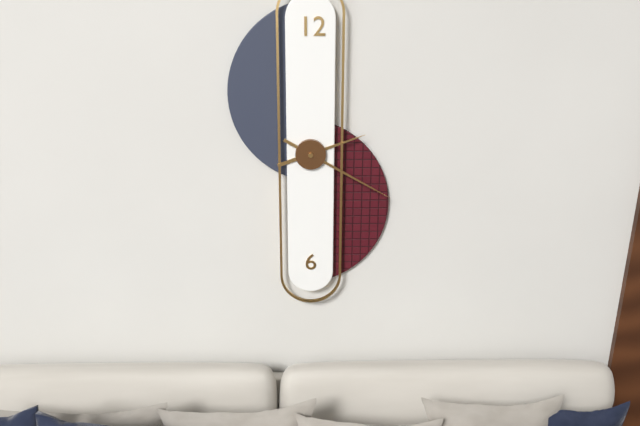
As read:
{"hour": 2, "minute": 20}
